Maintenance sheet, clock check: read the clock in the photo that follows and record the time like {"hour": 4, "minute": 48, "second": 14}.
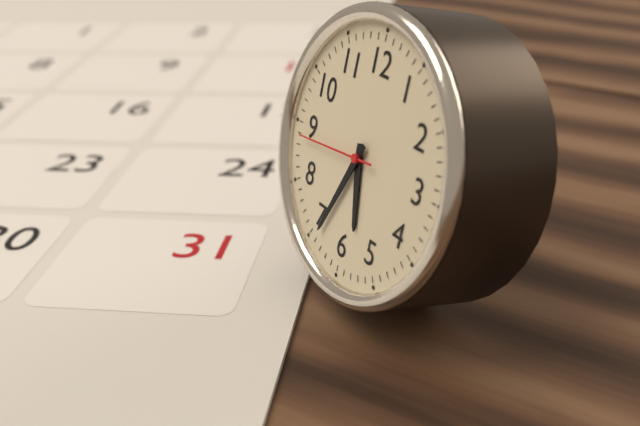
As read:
{"hour": 5, "minute": 34, "second": 44}
